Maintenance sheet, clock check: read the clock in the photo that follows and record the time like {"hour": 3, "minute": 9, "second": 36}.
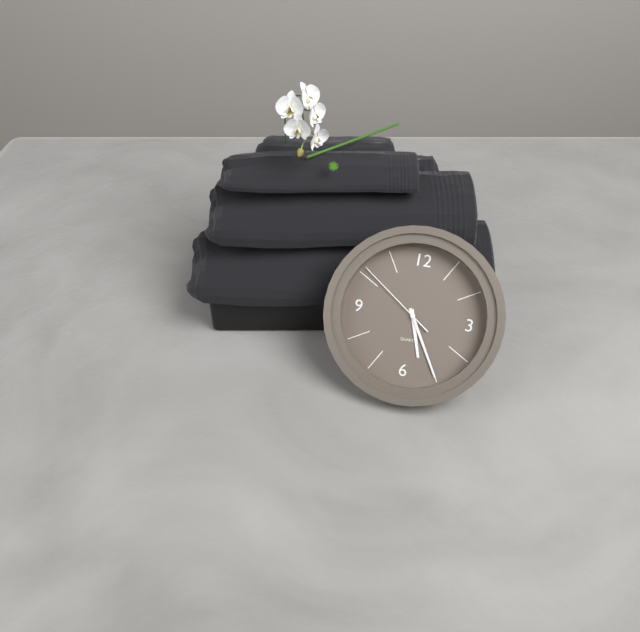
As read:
{"hour": 5, "minute": 25, "second": 51}
